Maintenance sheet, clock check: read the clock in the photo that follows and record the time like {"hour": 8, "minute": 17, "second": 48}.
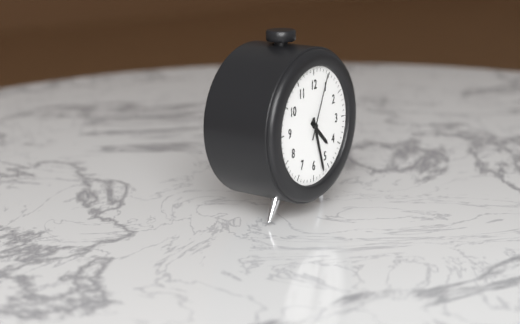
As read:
{"hour": 4, "minute": 27, "second": 4}
